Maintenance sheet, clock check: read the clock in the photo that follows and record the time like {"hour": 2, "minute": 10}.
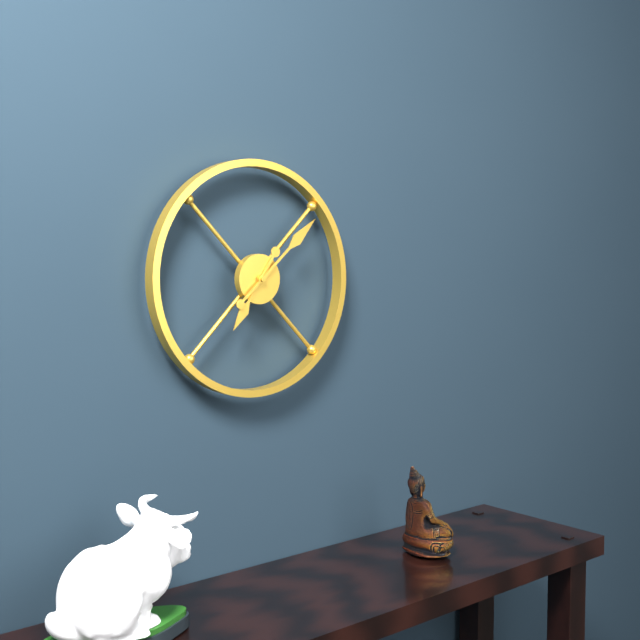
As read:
{"hour": 7, "minute": 8}
